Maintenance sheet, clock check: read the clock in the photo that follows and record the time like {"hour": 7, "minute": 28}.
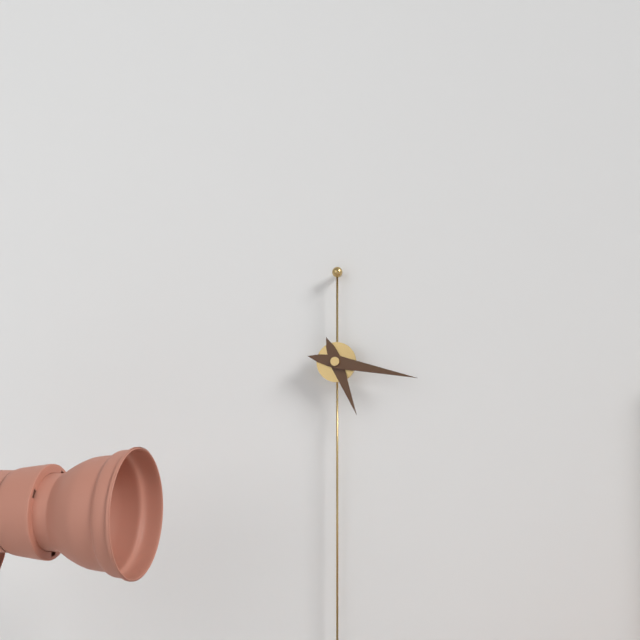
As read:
{"hour": 5, "minute": 17}
